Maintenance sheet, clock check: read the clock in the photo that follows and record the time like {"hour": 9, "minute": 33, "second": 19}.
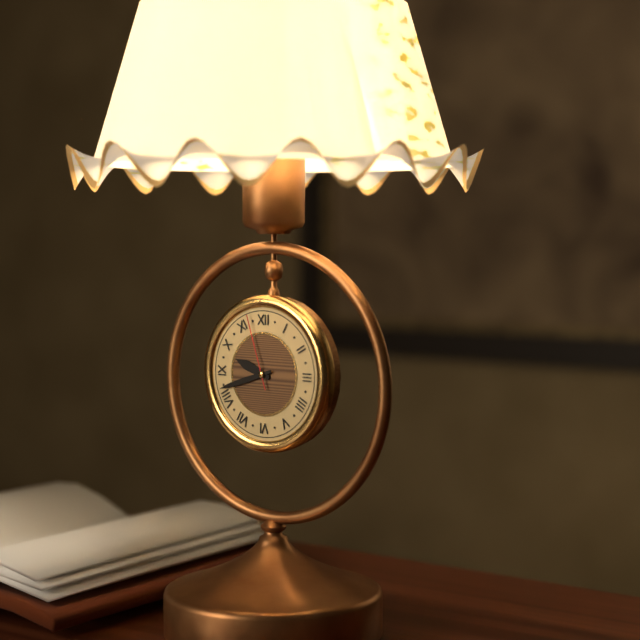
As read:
{"hour": 9, "minute": 42, "second": 57}
